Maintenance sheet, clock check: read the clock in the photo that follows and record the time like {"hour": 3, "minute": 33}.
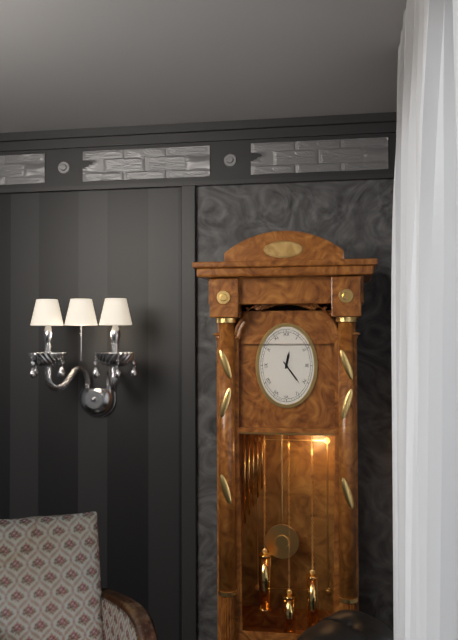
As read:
{"hour": 12, "minute": 24}
